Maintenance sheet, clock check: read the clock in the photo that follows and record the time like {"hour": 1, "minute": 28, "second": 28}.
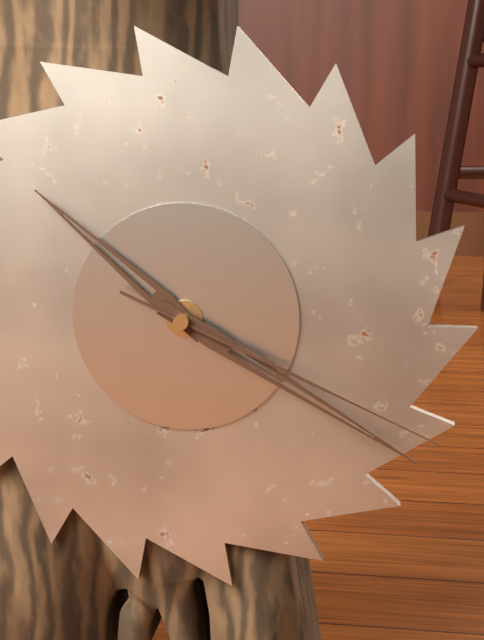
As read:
{"hour": 10, "minute": 20, "second": 19}
